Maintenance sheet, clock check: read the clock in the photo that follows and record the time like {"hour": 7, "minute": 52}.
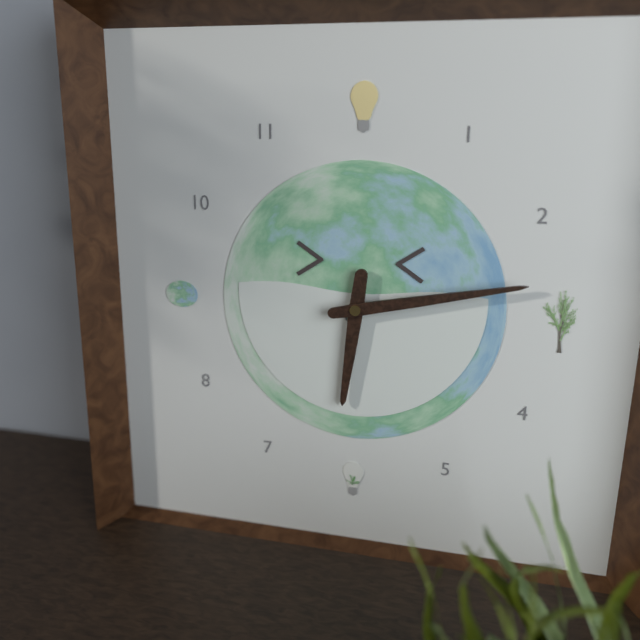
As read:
{"hour": 6, "minute": 13}
